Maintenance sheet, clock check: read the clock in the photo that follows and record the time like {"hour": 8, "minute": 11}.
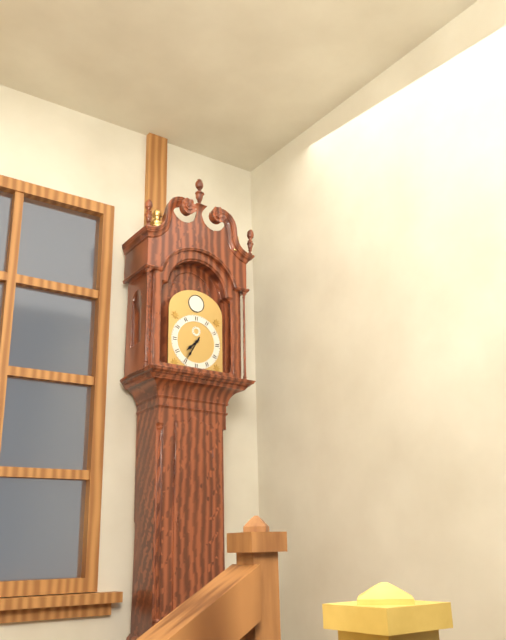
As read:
{"hour": 7, "minute": 35}
